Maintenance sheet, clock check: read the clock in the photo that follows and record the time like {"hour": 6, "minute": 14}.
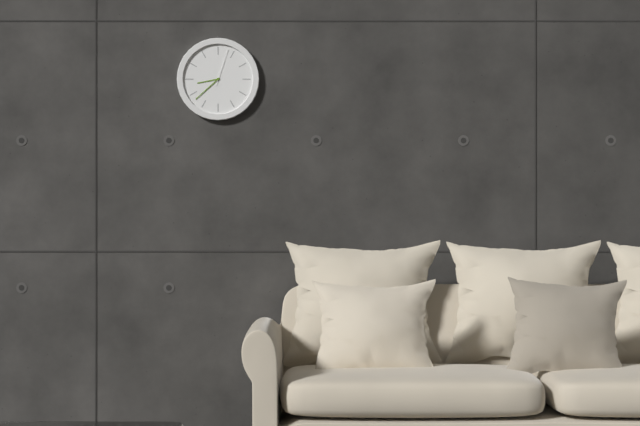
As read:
{"hour": 8, "minute": 38}
